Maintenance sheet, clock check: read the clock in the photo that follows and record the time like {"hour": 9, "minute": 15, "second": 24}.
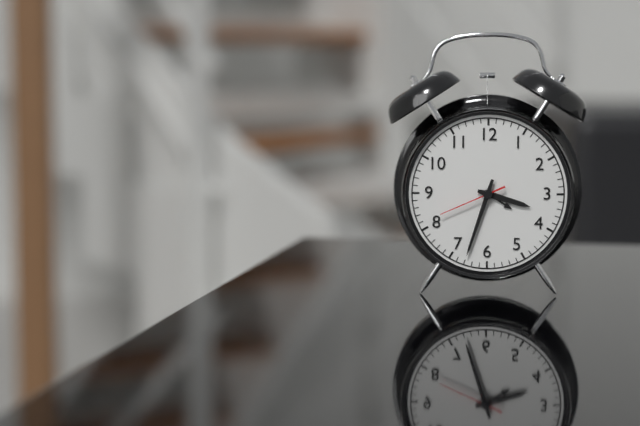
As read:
{"hour": 3, "minute": 33, "second": 41}
